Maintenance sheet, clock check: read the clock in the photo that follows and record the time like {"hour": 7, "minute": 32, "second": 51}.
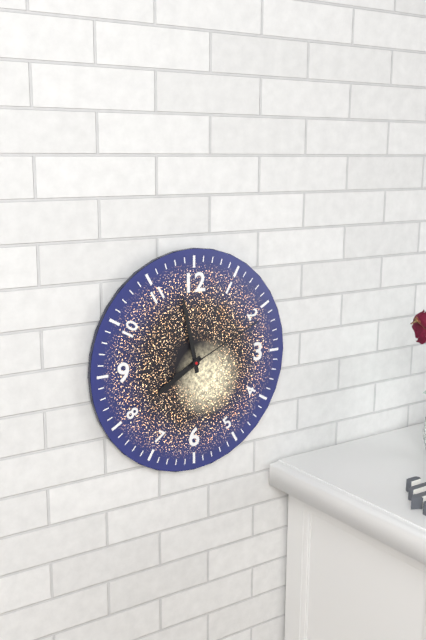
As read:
{"hour": 7, "minute": 58, "second": 11}
